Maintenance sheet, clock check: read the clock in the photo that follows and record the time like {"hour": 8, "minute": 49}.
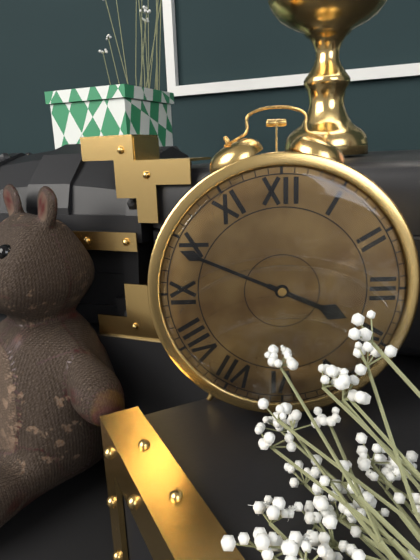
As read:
{"hour": 3, "minute": 49}
